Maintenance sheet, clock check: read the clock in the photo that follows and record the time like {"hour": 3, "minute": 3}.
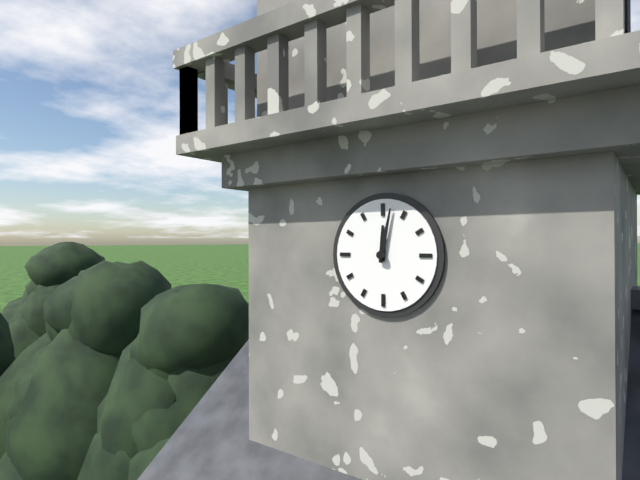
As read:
{"hour": 12, "minute": 2}
